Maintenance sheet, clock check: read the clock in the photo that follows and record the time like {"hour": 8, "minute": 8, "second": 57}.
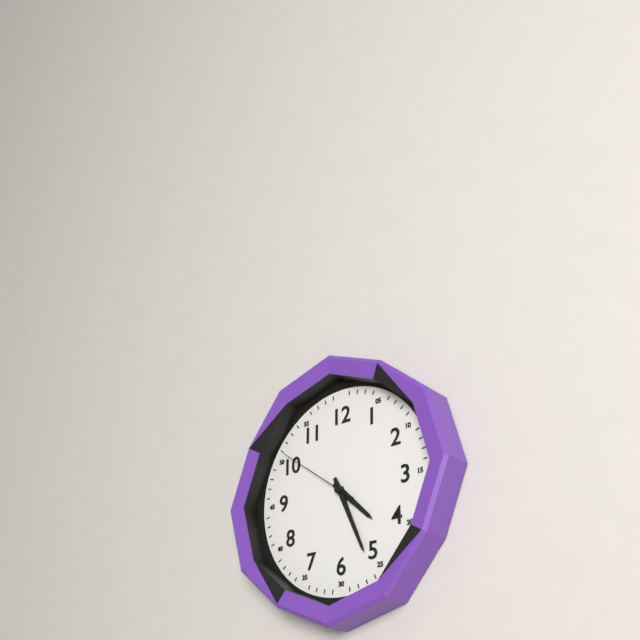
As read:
{"hour": 4, "minute": 26, "second": 51}
